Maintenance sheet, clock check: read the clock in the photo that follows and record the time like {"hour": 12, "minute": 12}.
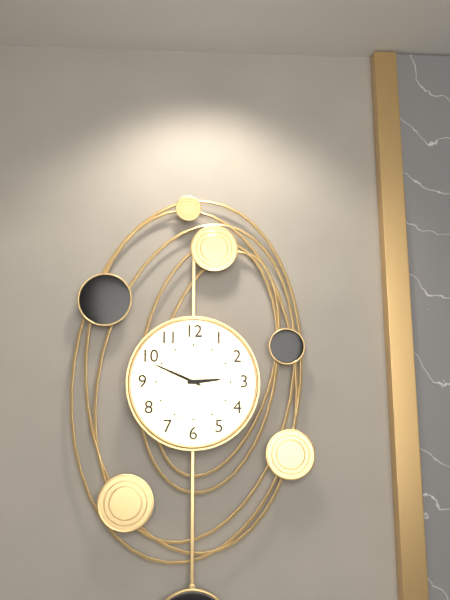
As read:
{"hour": 2, "minute": 49}
